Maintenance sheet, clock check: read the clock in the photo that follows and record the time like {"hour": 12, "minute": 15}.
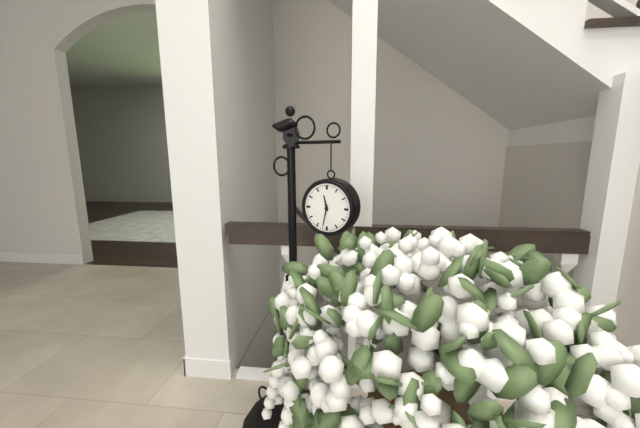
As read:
{"hour": 11, "minute": 32}
